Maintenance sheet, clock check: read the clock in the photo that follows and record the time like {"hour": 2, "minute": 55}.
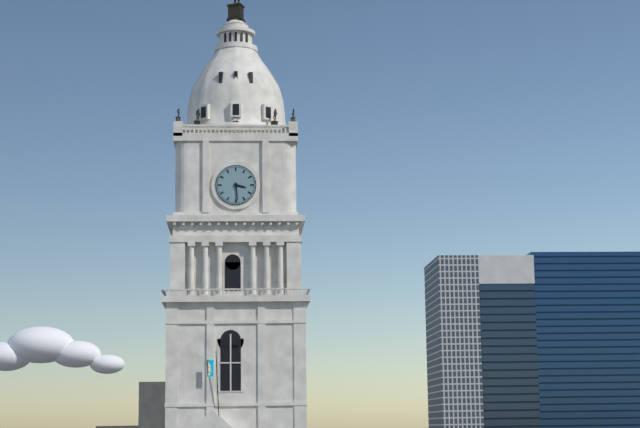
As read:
{"hour": 3, "minute": 29}
